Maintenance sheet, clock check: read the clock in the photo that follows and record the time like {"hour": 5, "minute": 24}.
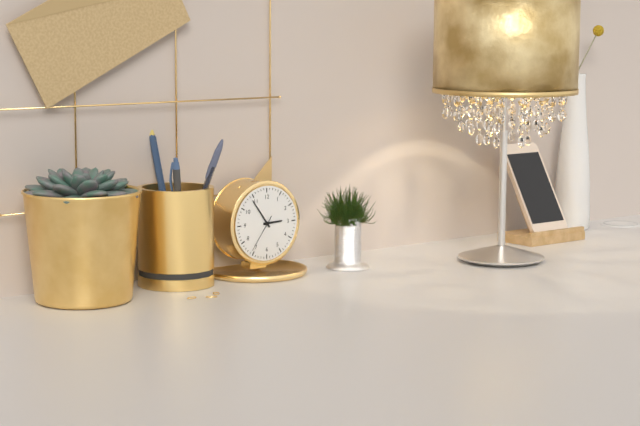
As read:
{"hour": 2, "minute": 54}
